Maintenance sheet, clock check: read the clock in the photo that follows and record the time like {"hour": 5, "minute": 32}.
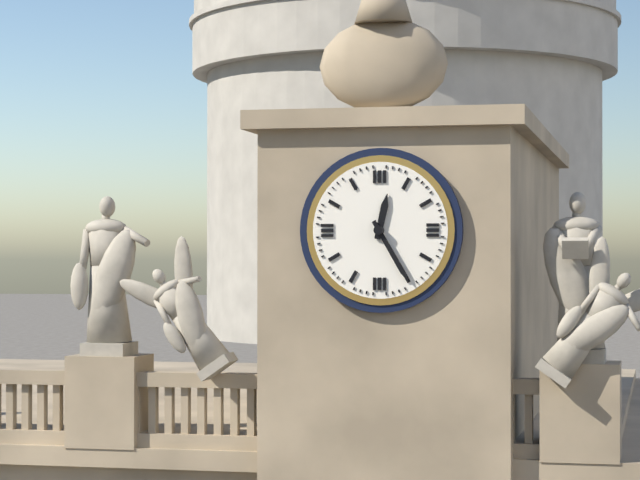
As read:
{"hour": 12, "minute": 25}
